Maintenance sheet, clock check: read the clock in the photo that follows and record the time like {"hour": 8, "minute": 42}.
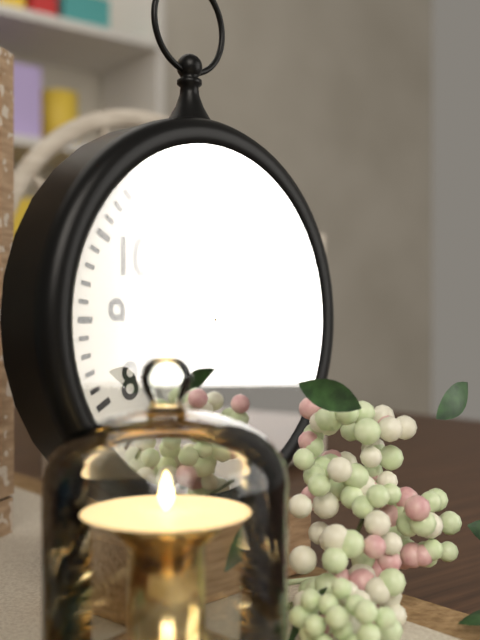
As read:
{"hour": 8, "minute": 4}
